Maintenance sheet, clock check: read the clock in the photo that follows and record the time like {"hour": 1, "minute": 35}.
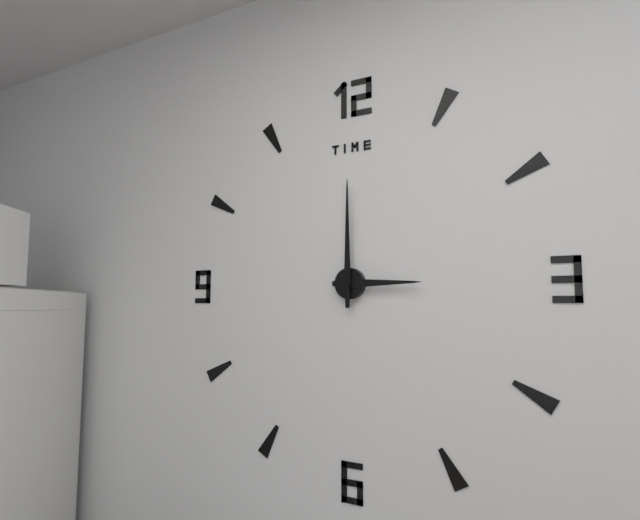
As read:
{"hour": 3, "minute": 0}
